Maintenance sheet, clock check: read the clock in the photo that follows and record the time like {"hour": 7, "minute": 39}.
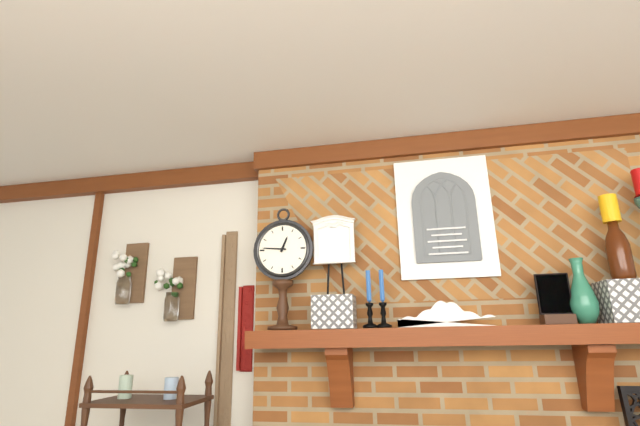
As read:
{"hour": 12, "minute": 46}
